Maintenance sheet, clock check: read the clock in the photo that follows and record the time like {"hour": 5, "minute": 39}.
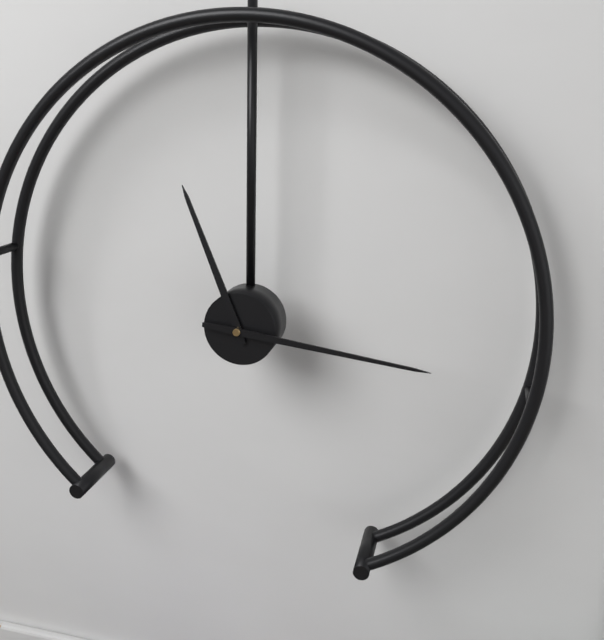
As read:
{"hour": 11, "minute": 16}
